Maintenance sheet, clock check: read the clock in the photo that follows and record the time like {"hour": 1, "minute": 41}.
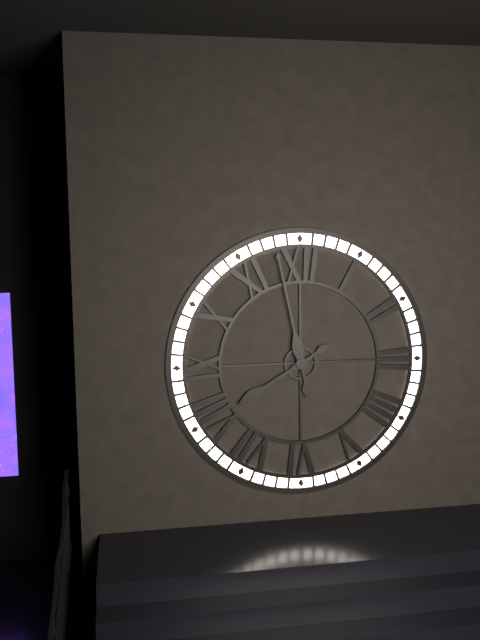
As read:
{"hour": 7, "minute": 58}
